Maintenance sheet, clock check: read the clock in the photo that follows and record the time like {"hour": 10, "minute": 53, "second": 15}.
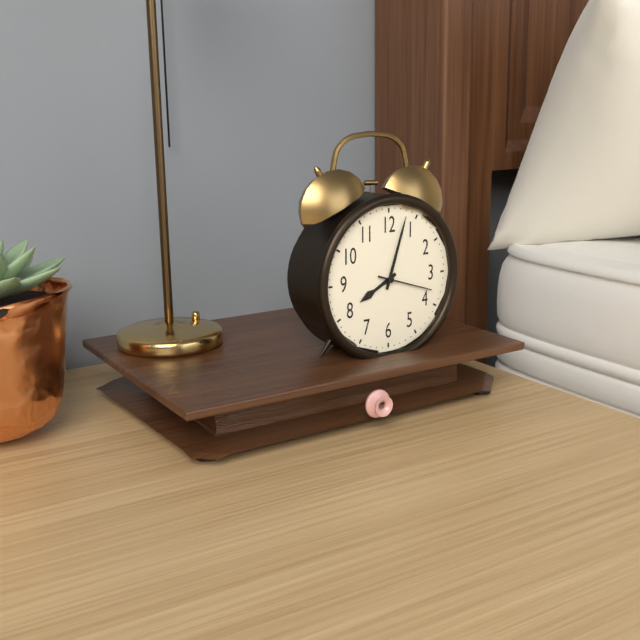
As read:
{"hour": 8, "minute": 3, "second": 18}
